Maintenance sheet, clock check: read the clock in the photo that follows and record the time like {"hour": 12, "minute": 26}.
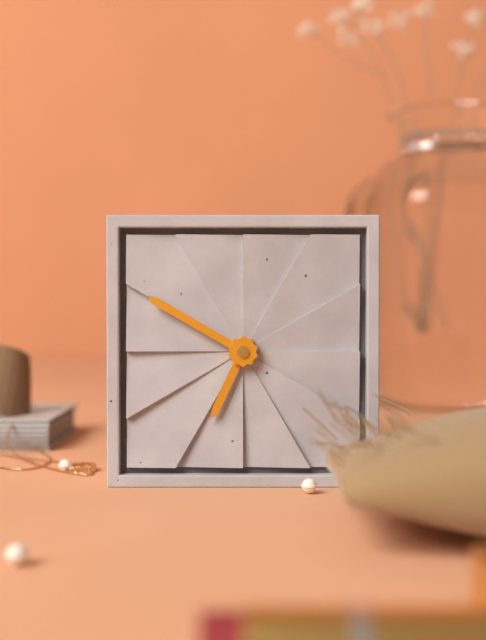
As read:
{"hour": 6, "minute": 50}
